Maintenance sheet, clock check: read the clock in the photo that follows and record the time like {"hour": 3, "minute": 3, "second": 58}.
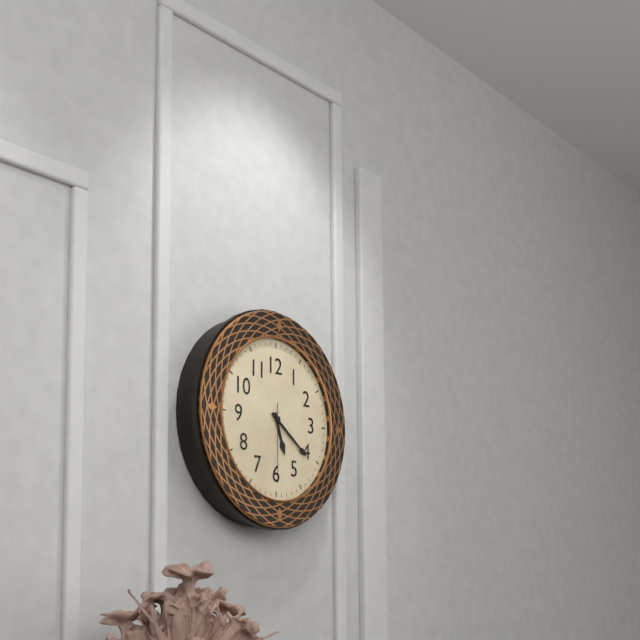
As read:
{"hour": 5, "minute": 21, "second": 30}
